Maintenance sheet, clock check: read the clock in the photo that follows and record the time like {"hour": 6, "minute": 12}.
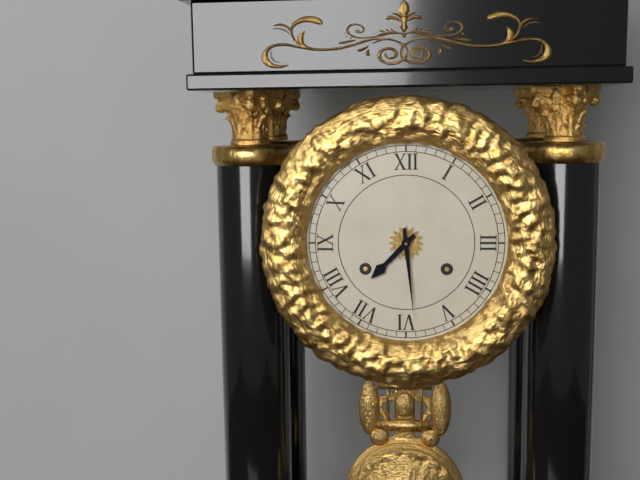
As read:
{"hour": 7, "minute": 29}
